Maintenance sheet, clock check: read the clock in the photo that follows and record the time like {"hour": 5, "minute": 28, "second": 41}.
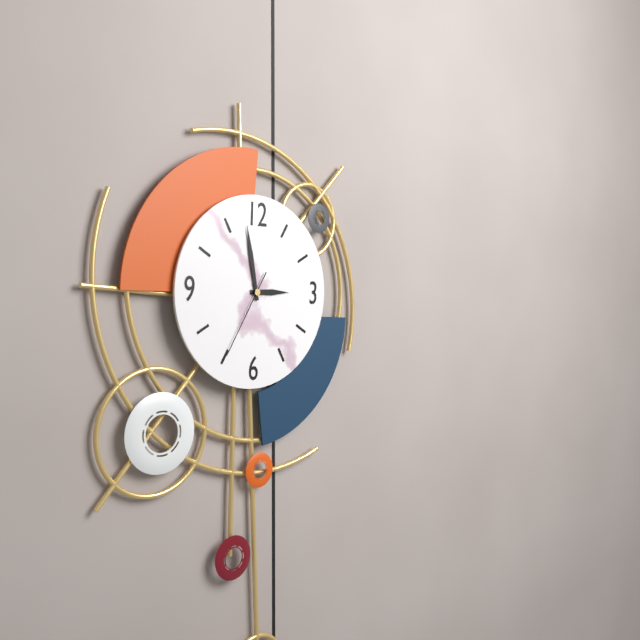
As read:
{"hour": 2, "minute": 58, "second": 35}
